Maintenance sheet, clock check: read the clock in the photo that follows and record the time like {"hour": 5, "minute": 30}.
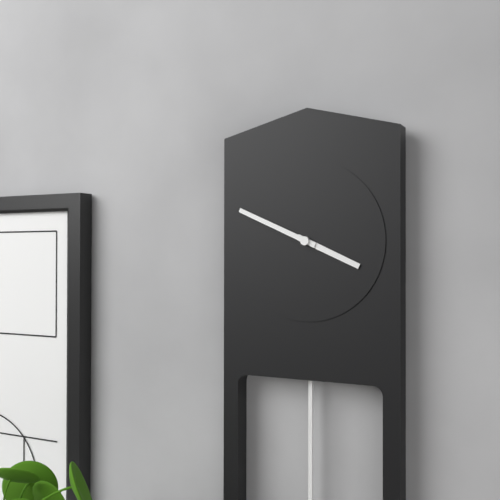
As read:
{"hour": 3, "minute": 49}
